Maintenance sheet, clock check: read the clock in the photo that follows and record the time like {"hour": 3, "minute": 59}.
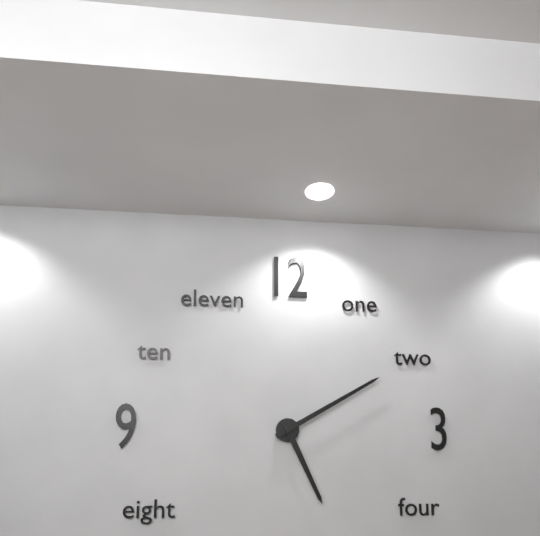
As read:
{"hour": 5, "minute": 10}
